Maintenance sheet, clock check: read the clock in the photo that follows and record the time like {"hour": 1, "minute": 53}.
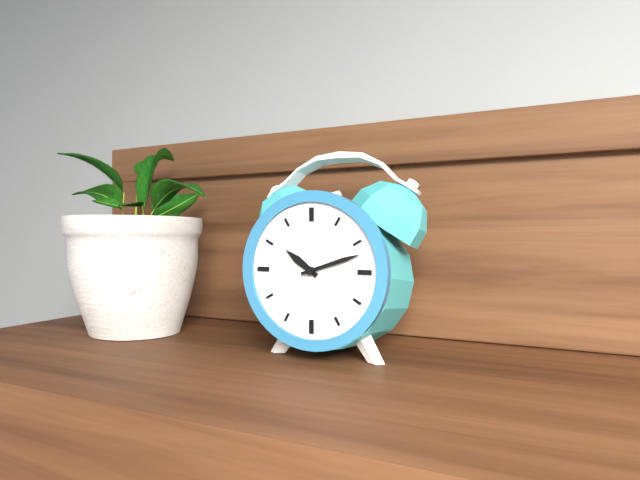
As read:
{"hour": 10, "minute": 12}
